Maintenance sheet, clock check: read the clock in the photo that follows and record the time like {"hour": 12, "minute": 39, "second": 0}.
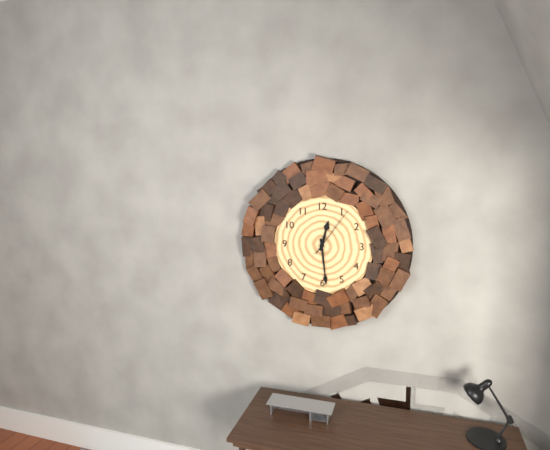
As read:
{"hour": 12, "minute": 29, "second": 6}
